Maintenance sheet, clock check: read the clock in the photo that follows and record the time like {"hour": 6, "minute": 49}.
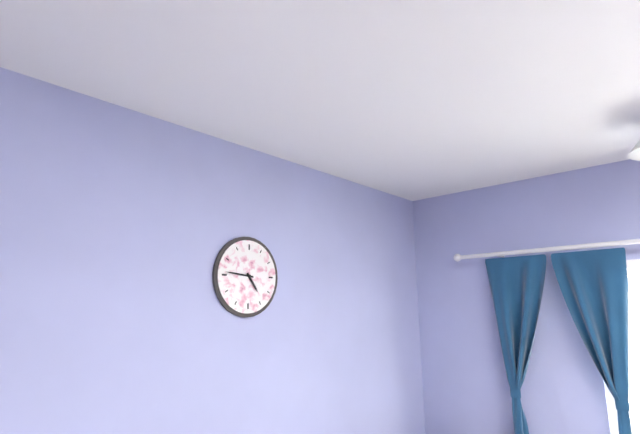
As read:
{"hour": 4, "minute": 46}
